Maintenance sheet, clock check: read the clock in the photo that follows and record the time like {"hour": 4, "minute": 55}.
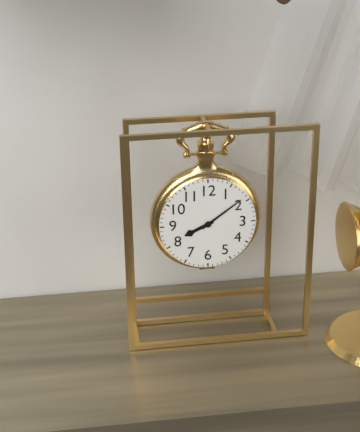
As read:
{"hour": 8, "minute": 9}
